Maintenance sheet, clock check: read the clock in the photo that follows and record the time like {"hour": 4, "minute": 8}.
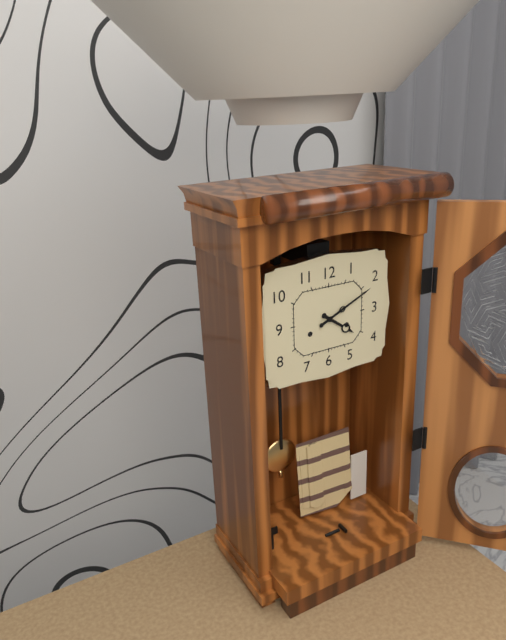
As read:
{"hour": 4, "minute": 11}
